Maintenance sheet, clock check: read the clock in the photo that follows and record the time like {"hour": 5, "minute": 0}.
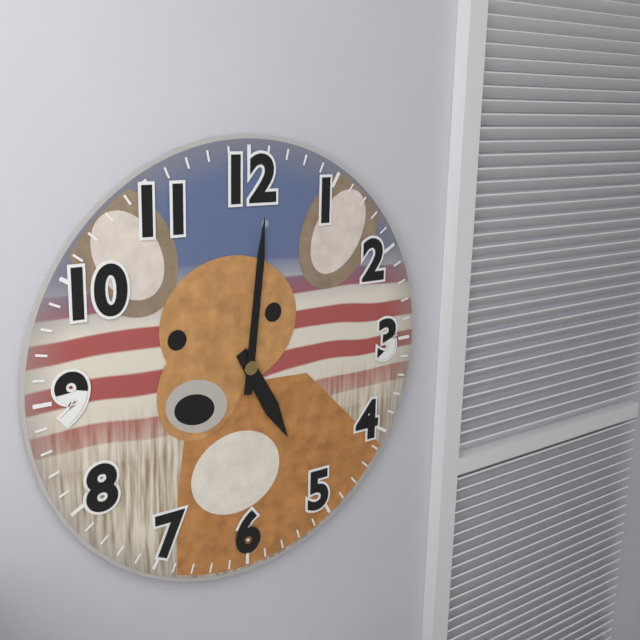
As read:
{"hour": 5, "minute": 1}
